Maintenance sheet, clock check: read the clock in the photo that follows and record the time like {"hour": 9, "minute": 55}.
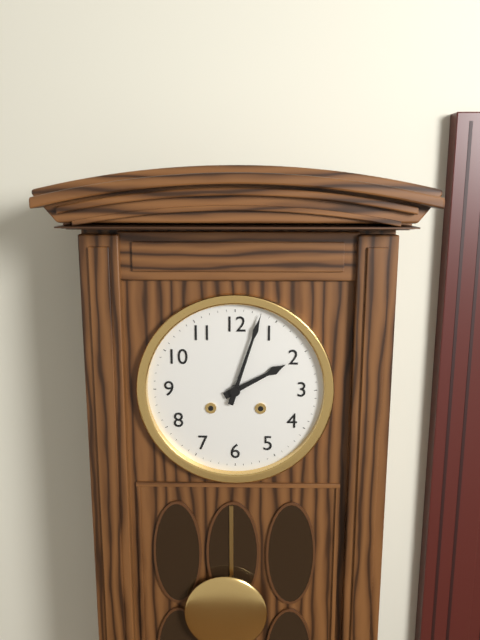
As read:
{"hour": 2, "minute": 3}
